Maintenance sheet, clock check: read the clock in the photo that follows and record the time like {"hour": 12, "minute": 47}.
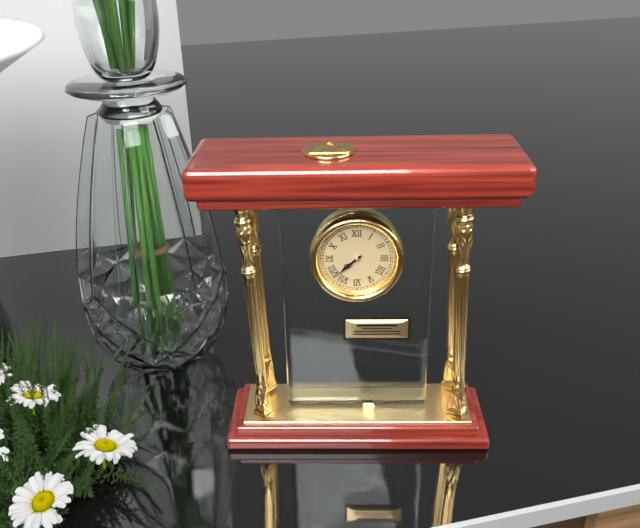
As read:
{"hour": 7, "minute": 38}
